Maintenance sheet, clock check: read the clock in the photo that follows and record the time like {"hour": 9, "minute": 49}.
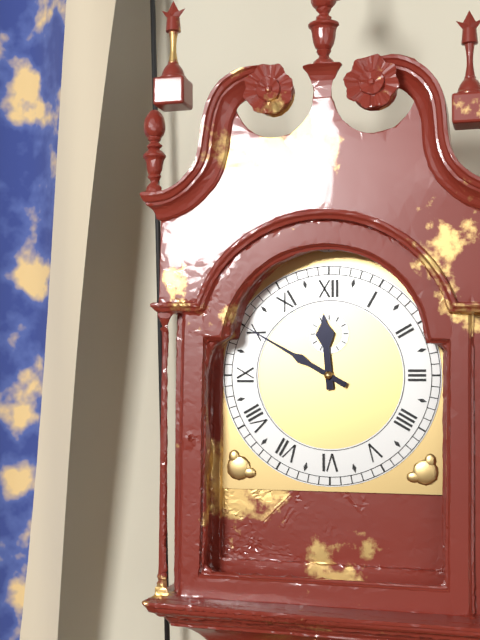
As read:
{"hour": 11, "minute": 50}
